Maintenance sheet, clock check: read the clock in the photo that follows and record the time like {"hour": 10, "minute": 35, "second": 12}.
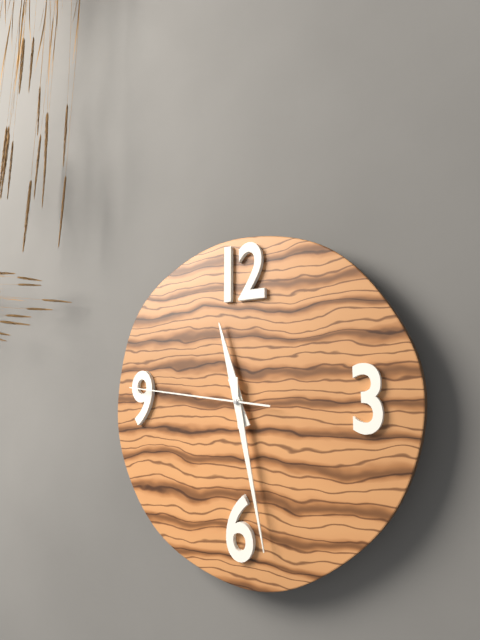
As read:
{"hour": 11, "minute": 28, "second": 46}
